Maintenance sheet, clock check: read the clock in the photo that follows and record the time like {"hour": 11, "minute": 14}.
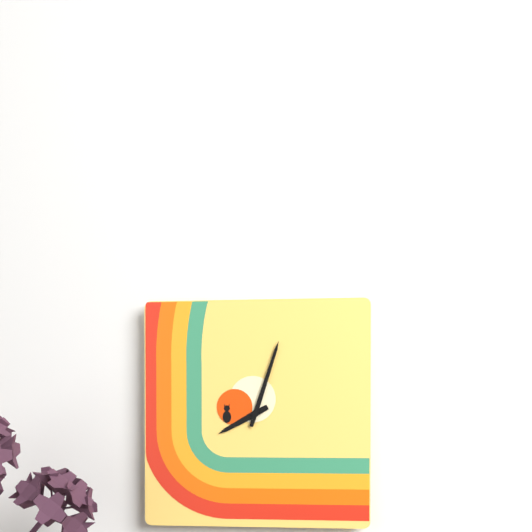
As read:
{"hour": 8, "minute": 3}
